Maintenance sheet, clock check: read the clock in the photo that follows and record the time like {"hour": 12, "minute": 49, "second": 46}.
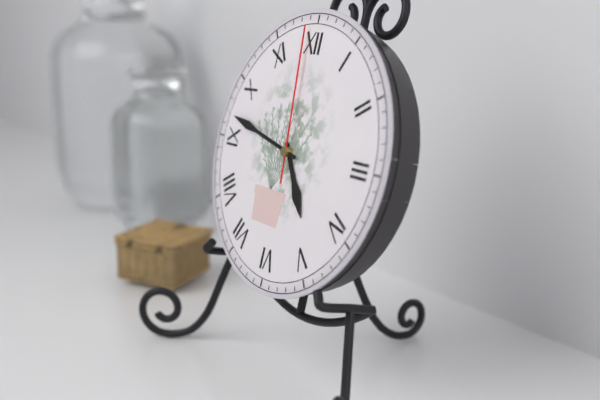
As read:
{"hour": 4, "minute": 47, "second": 59}
